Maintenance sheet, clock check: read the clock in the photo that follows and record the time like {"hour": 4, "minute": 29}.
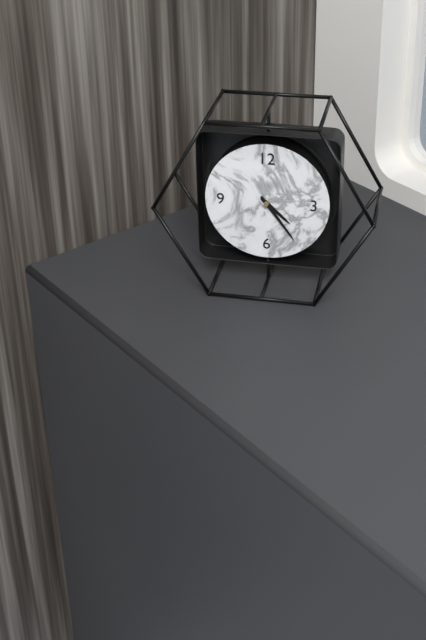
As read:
{"hour": 4, "minute": 24}
